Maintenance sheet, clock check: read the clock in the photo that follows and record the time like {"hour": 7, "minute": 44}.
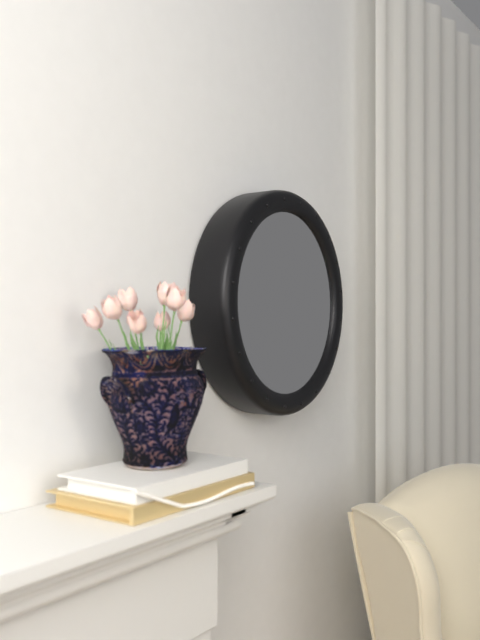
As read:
{"hour": 12, "minute": 2}
